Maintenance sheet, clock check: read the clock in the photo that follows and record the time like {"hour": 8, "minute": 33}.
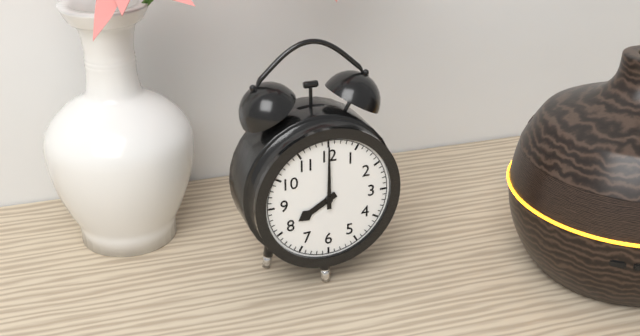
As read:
{"hour": 8, "minute": 0}
